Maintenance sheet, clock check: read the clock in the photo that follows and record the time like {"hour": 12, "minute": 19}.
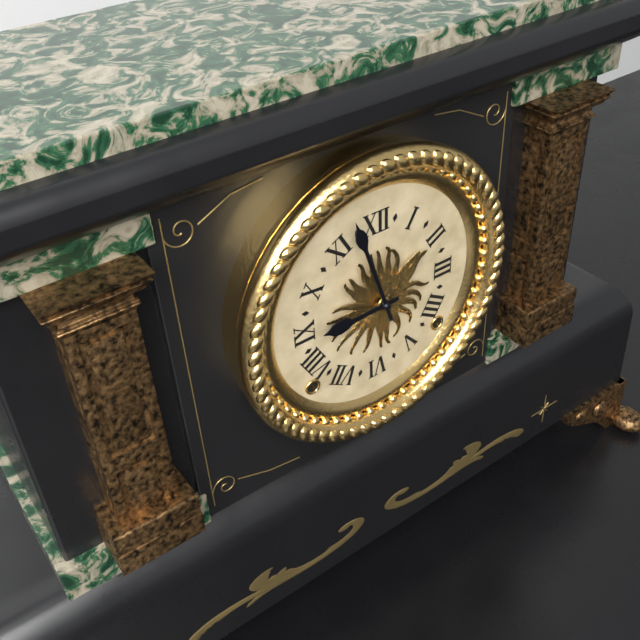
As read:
{"hour": 8, "minute": 57}
